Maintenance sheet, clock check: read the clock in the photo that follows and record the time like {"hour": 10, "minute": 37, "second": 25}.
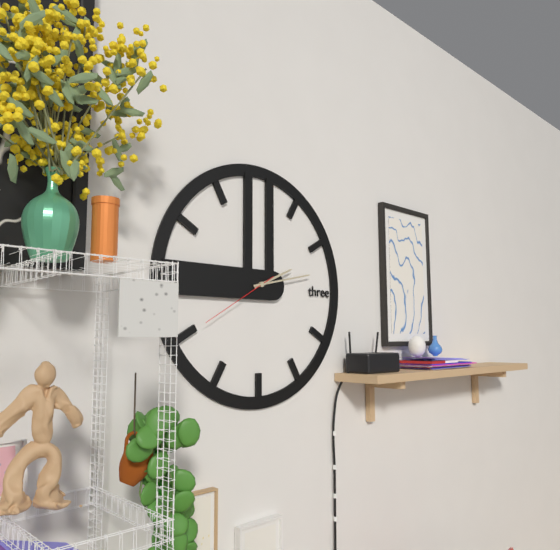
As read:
{"hour": 2, "minute": 13, "second": 40}
